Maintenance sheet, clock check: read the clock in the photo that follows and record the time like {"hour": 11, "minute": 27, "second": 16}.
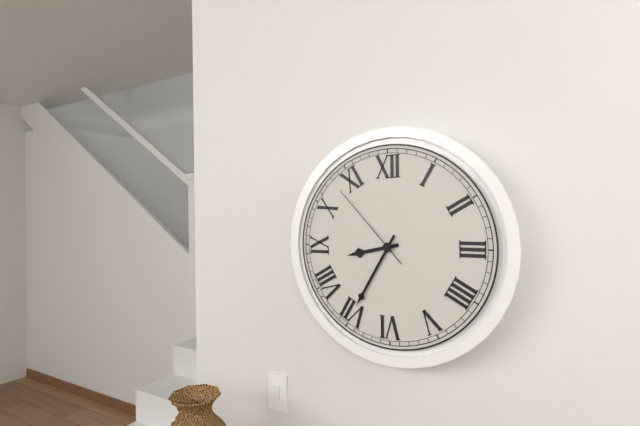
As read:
{"hour": 8, "minute": 35, "second": 53}
